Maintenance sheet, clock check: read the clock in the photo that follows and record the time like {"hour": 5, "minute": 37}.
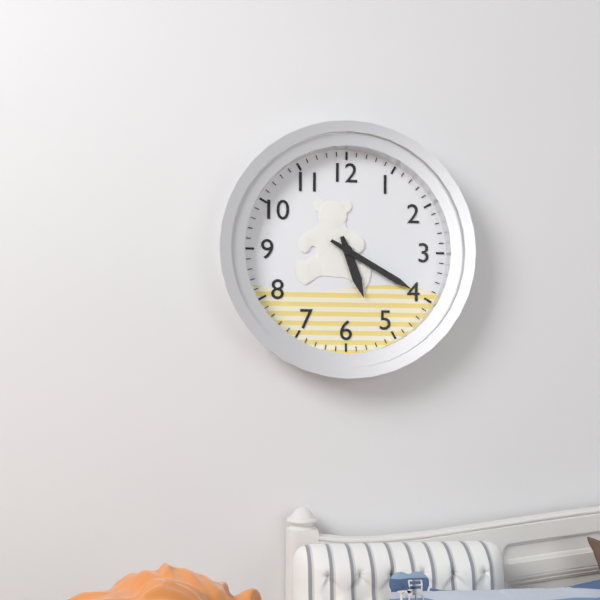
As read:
{"hour": 5, "minute": 20}
